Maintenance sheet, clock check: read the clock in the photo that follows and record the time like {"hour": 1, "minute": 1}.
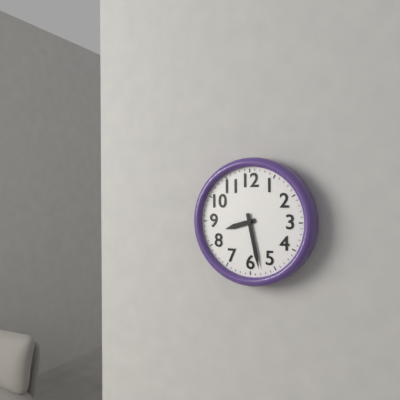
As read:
{"hour": 8, "minute": 28}
